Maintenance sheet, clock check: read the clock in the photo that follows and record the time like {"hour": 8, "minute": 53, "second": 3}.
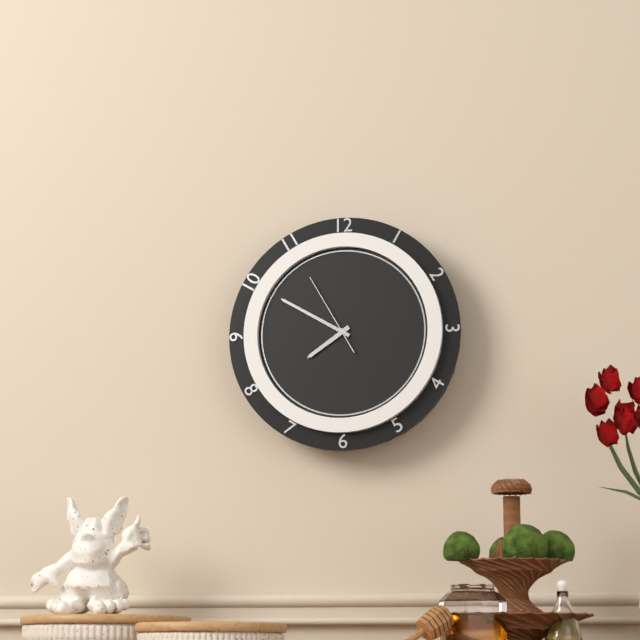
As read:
{"hour": 7, "minute": 50, "second": 55}
